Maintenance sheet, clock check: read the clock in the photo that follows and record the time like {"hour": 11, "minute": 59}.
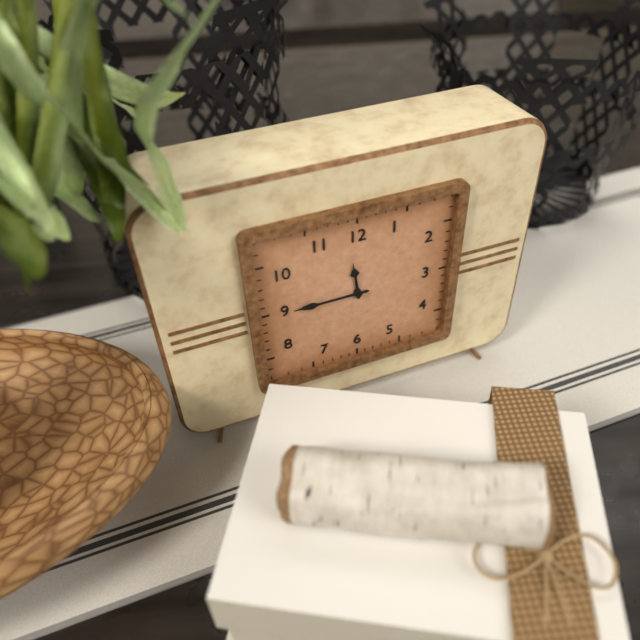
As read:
{"hour": 11, "minute": 45}
